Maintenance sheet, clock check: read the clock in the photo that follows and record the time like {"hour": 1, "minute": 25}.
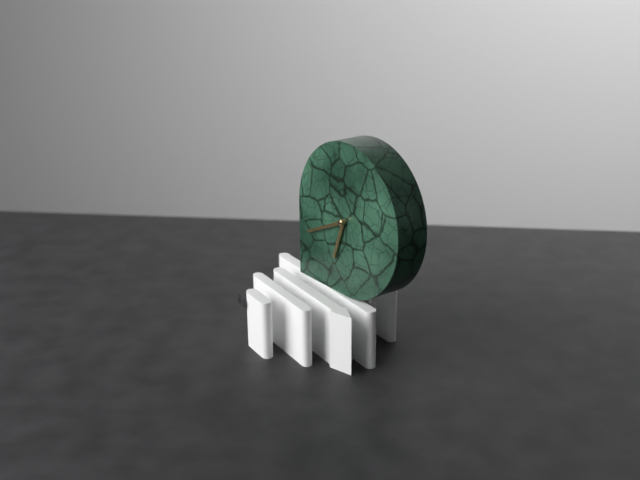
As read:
{"hour": 6, "minute": 41}
